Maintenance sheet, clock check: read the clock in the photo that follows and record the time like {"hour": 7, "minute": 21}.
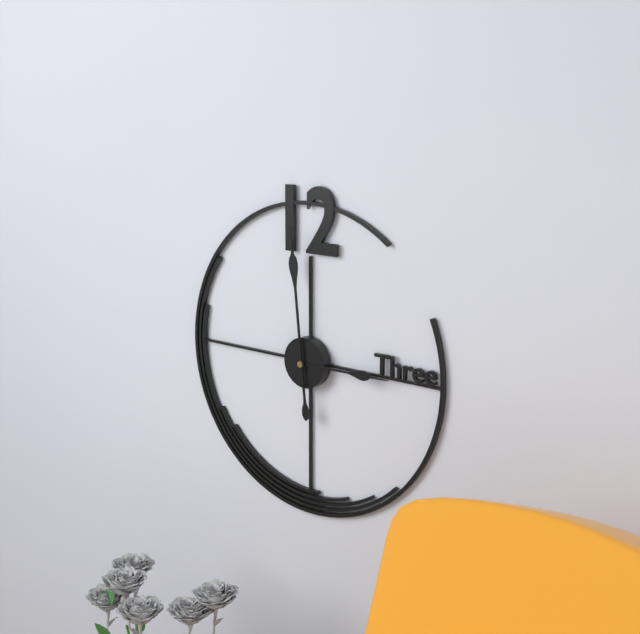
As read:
{"hour": 2, "minute": 59}
